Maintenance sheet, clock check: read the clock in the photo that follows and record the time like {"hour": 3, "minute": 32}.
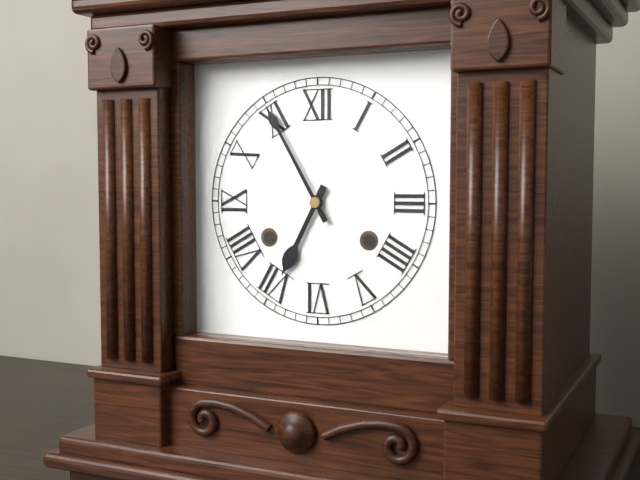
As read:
{"hour": 6, "minute": 55}
